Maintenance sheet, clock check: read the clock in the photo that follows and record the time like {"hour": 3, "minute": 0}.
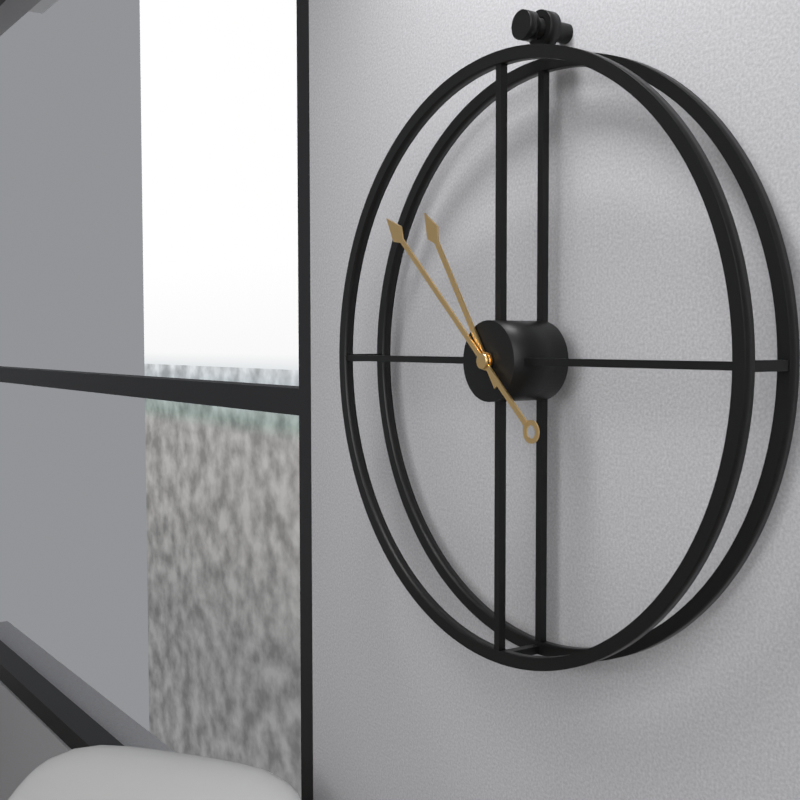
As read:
{"hour": 10, "minute": 52}
